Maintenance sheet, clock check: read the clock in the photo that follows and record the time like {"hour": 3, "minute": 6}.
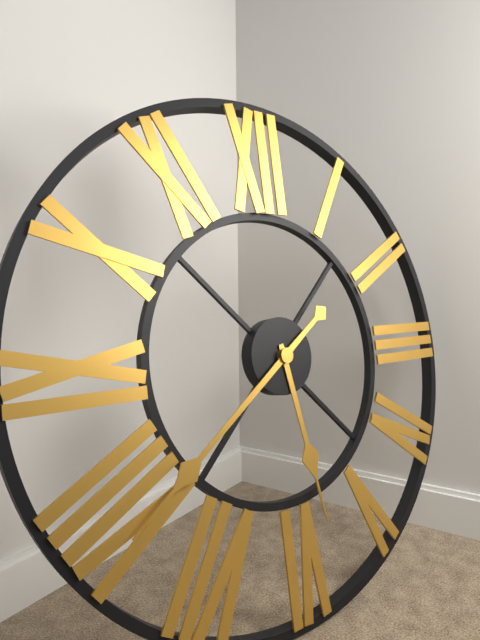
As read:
{"hour": 5, "minute": 39}
